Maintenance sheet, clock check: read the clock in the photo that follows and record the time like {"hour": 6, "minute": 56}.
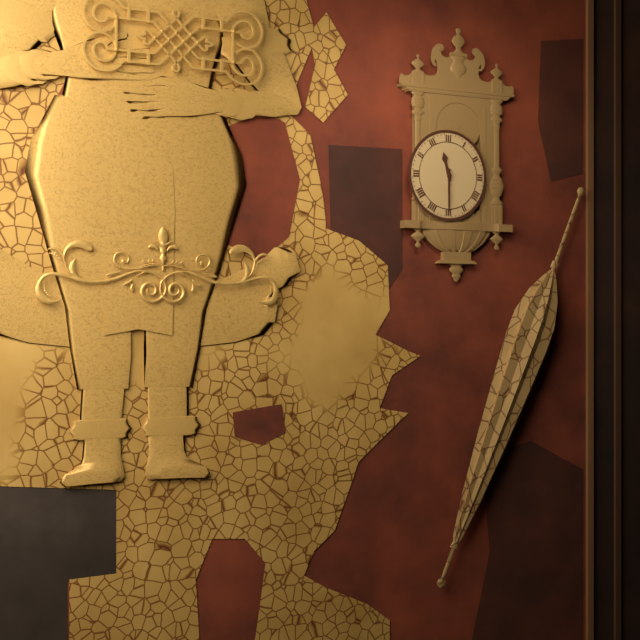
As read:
{"hour": 11, "minute": 30}
